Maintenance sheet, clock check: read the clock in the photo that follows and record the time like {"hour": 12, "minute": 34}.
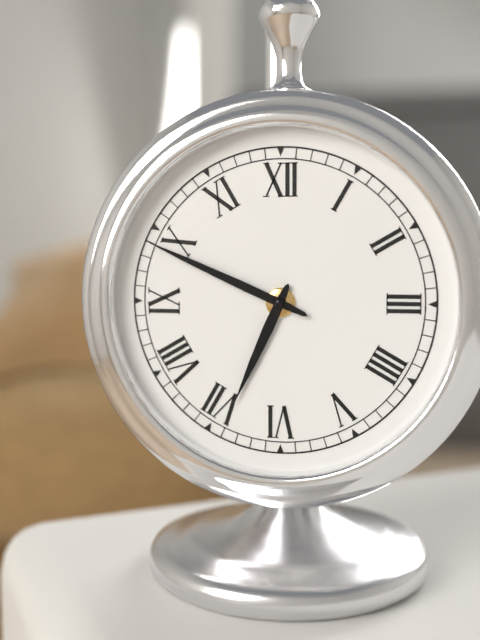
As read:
{"hour": 6, "minute": 49}
